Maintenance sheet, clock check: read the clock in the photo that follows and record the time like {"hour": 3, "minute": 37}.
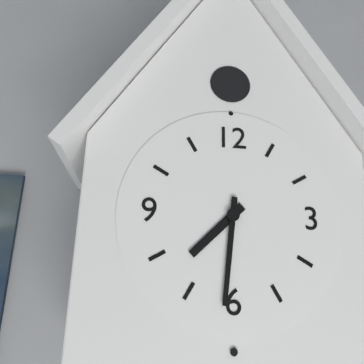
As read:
{"hour": 7, "minute": 31}
